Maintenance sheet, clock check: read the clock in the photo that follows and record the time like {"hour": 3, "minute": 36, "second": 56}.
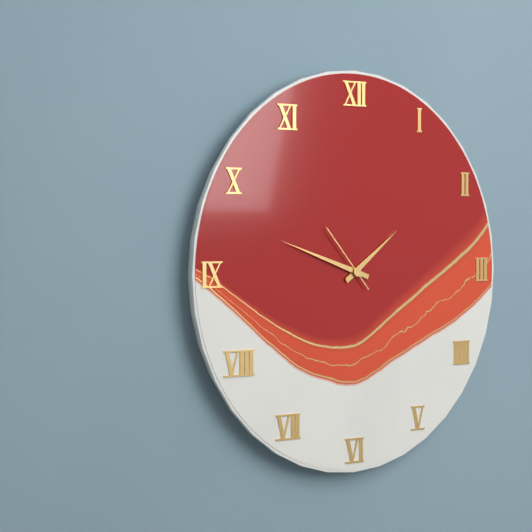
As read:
{"hour": 1, "minute": 48, "second": 53}
